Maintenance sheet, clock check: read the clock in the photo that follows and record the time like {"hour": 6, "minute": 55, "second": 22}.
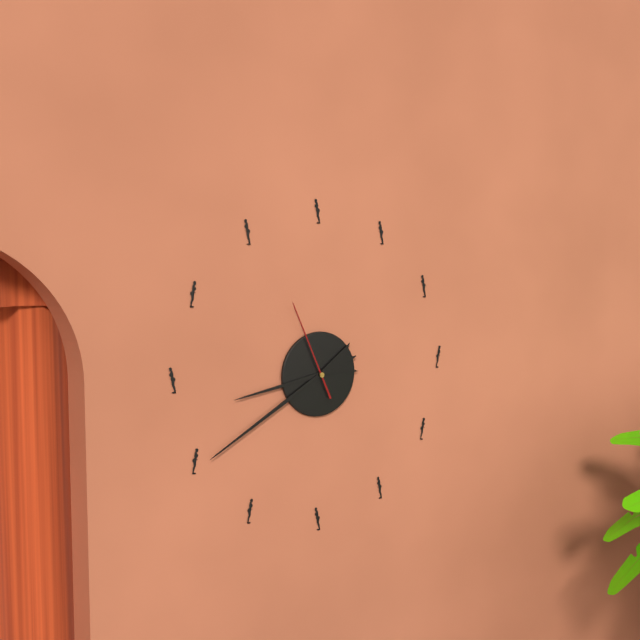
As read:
{"hour": 8, "minute": 40, "second": 56}
